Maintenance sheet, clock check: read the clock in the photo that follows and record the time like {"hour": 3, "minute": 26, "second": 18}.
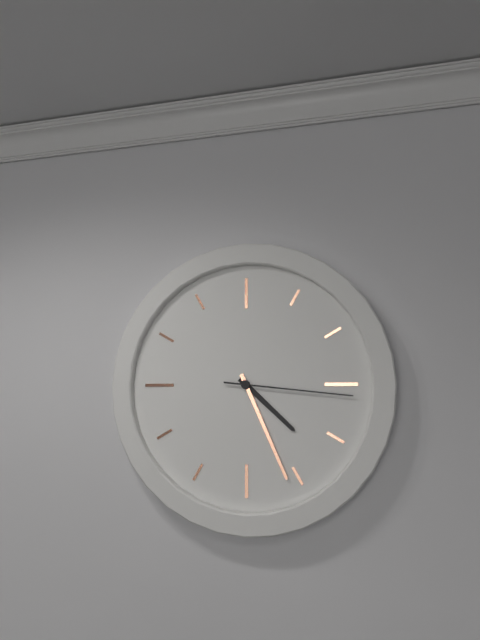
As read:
{"hour": 4, "minute": 26, "second": 16}
